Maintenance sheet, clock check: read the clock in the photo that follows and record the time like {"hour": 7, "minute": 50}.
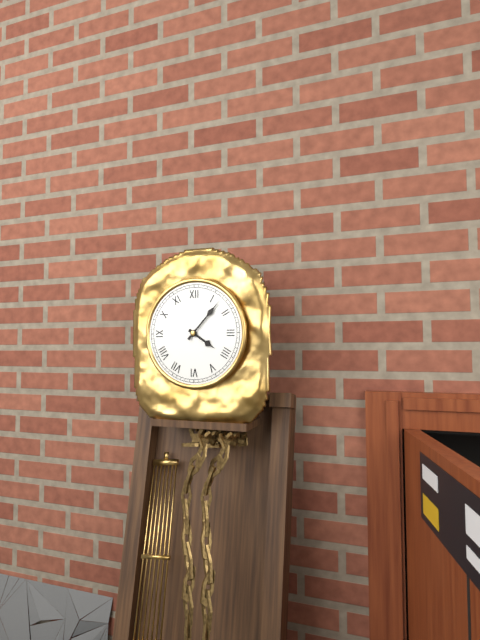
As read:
{"hour": 4, "minute": 7}
